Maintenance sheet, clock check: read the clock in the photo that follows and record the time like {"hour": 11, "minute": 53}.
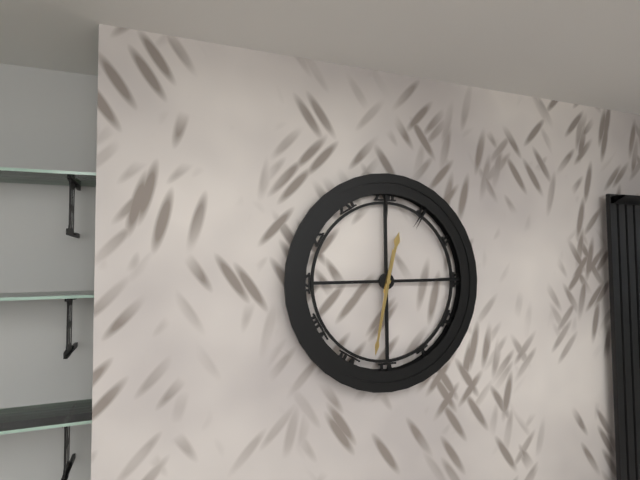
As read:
{"hour": 12, "minute": 32}
